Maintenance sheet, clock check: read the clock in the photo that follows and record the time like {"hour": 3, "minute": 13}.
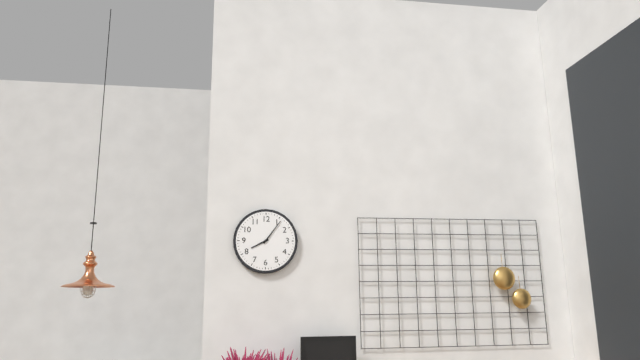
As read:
{"hour": 8, "minute": 6}
